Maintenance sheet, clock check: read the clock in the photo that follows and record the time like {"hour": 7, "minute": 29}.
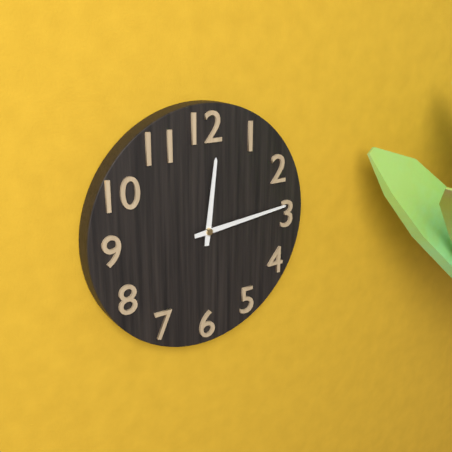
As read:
{"hour": 12, "minute": 14}
